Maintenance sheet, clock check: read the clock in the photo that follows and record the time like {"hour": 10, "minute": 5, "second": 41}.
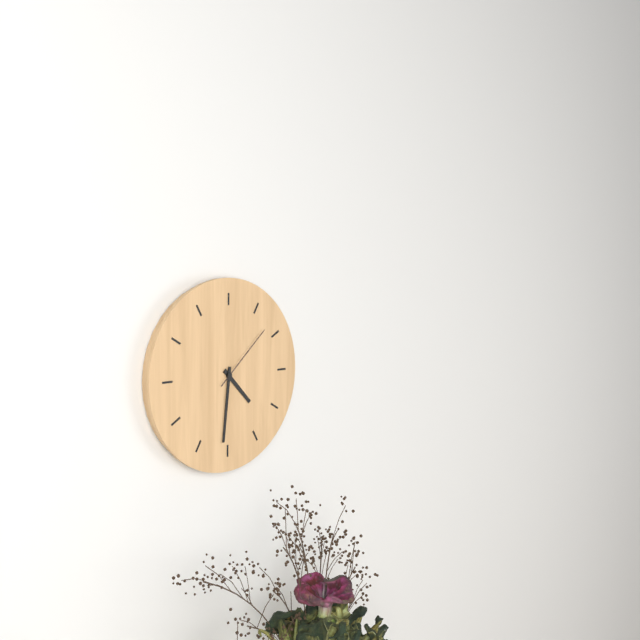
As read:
{"hour": 4, "minute": 31, "second": 8}
